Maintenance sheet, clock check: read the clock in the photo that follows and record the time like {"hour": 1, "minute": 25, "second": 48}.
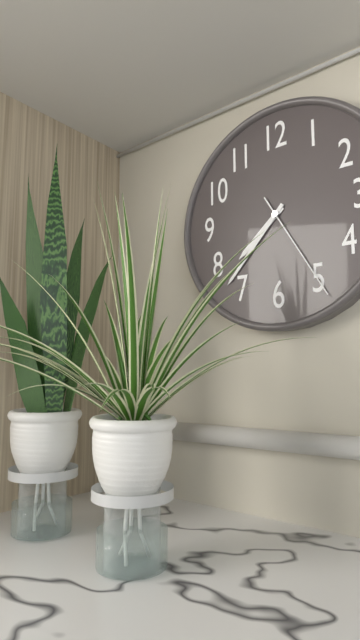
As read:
{"hour": 7, "minute": 37, "second": 25}
